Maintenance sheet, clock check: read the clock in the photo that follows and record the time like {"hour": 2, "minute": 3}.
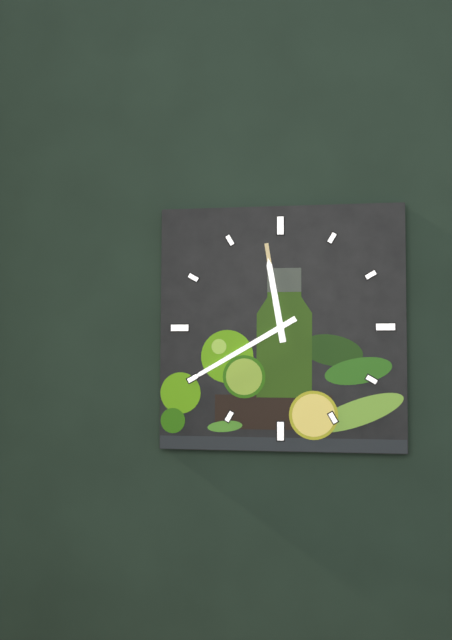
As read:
{"hour": 11, "minute": 40}
